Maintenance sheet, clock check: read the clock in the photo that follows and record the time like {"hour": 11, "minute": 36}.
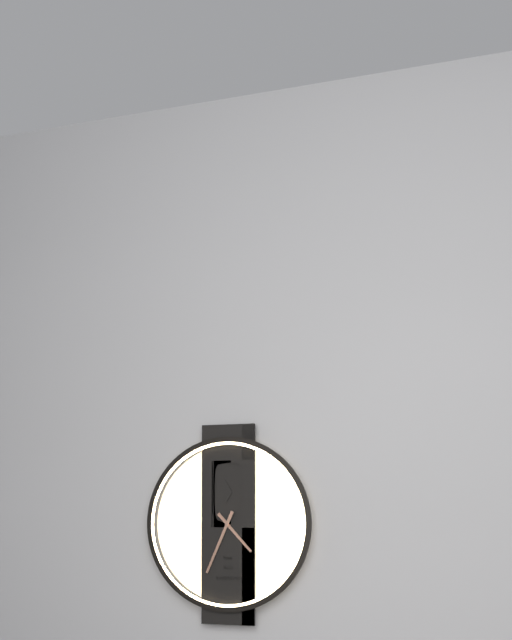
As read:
{"hour": 4, "minute": 34}
